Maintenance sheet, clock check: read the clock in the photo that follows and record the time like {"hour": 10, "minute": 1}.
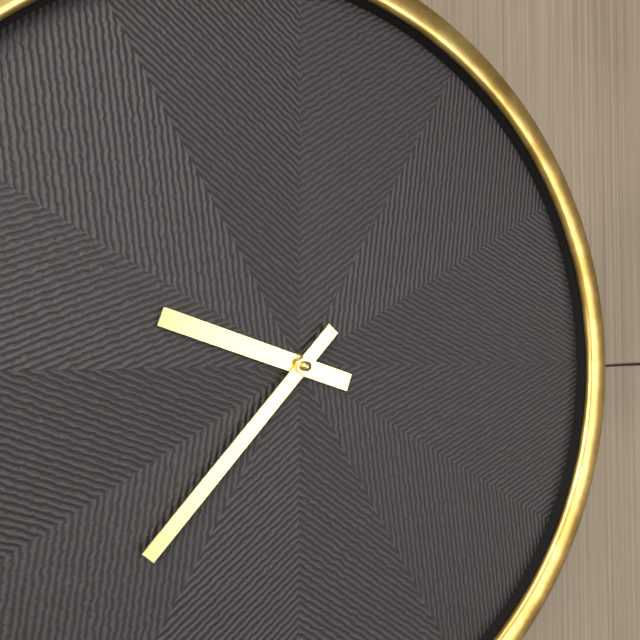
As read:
{"hour": 9, "minute": 37}
